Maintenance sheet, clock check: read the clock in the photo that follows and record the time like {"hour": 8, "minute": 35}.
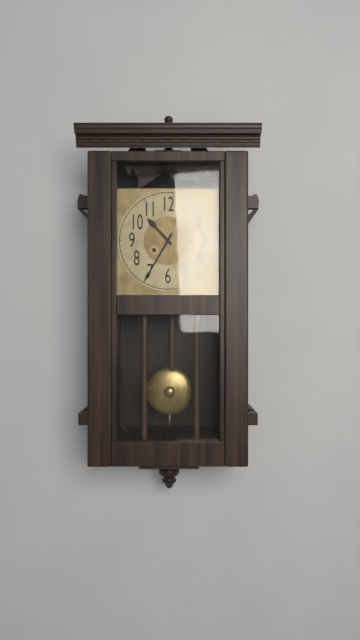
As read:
{"hour": 10, "minute": 35}
